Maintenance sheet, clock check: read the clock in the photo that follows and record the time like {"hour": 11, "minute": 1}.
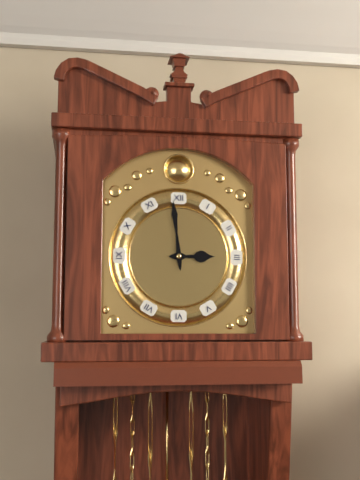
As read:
{"hour": 2, "minute": 59}
